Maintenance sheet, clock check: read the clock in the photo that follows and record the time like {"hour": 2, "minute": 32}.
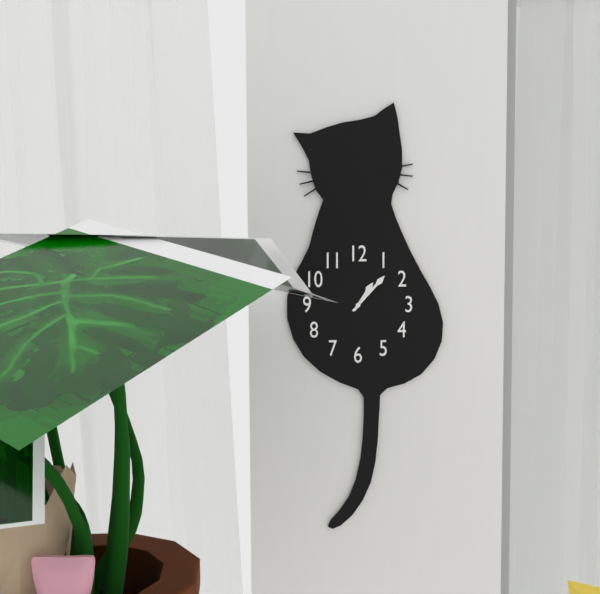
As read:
{"hour": 1, "minute": 7}
